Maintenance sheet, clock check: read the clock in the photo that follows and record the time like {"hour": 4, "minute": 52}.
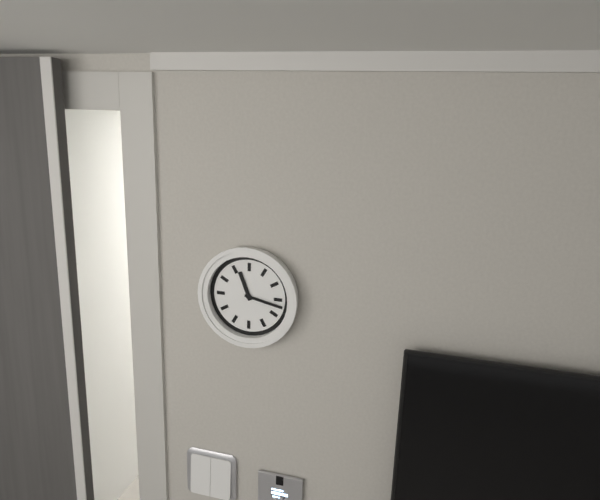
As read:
{"hour": 11, "minute": 17}
